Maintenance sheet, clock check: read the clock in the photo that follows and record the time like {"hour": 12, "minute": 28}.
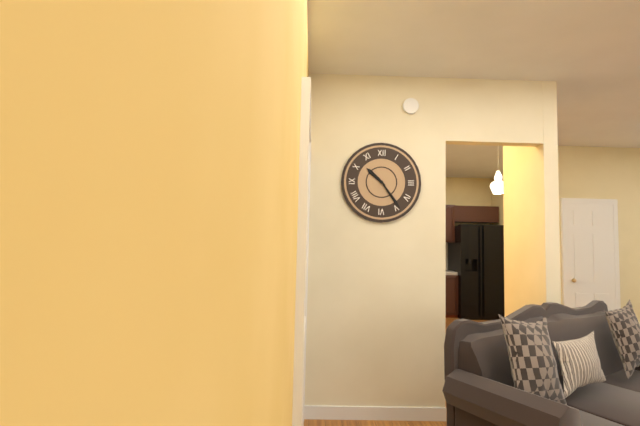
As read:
{"hour": 10, "minute": 24}
